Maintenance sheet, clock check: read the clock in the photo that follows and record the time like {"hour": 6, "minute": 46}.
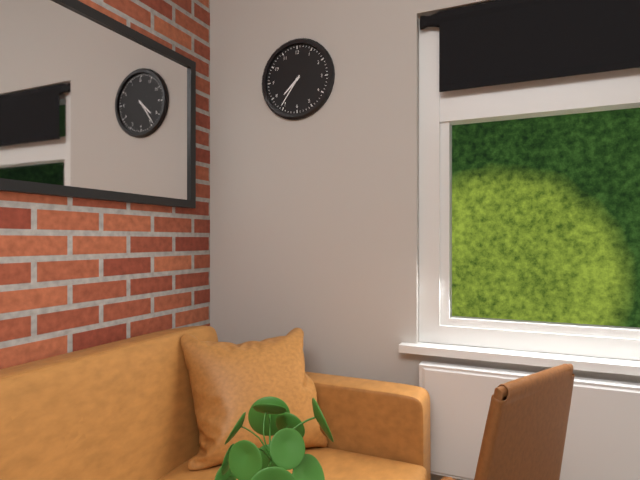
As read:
{"hour": 7, "minute": 36}
